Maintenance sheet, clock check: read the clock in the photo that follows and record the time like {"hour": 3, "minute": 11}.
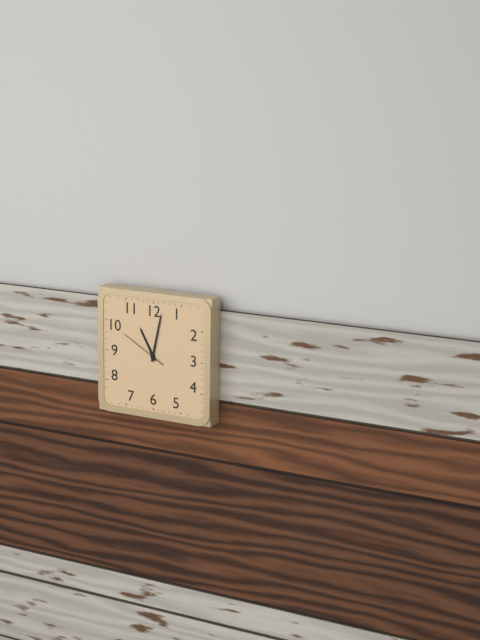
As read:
{"hour": 11, "minute": 2}
